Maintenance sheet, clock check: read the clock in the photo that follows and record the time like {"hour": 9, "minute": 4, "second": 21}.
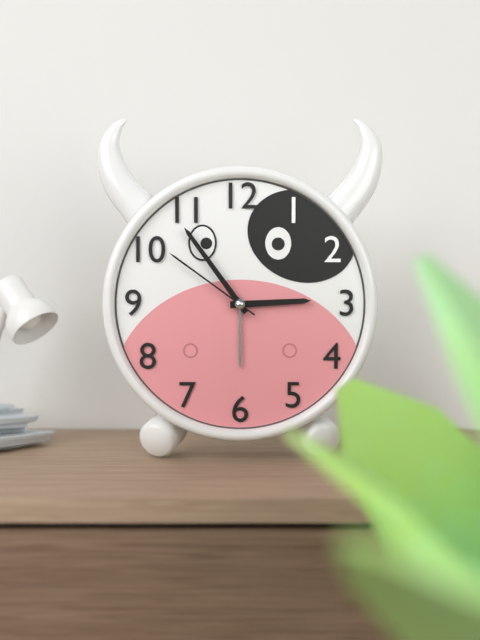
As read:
{"hour": 2, "minute": 54, "second": 51}
